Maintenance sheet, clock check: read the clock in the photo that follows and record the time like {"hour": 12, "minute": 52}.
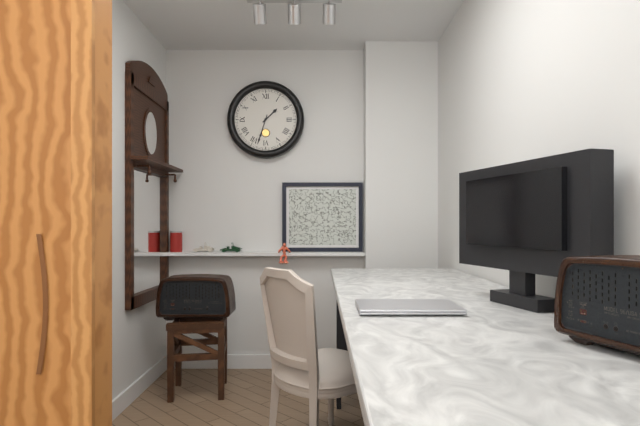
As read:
{"hour": 1, "minute": 33}
